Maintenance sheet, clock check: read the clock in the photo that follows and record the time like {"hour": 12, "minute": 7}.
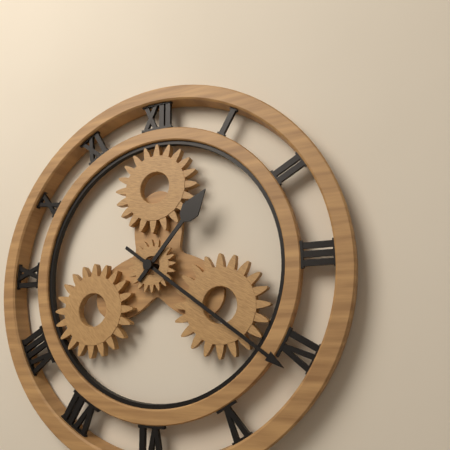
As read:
{"hour": 1, "minute": 21}
